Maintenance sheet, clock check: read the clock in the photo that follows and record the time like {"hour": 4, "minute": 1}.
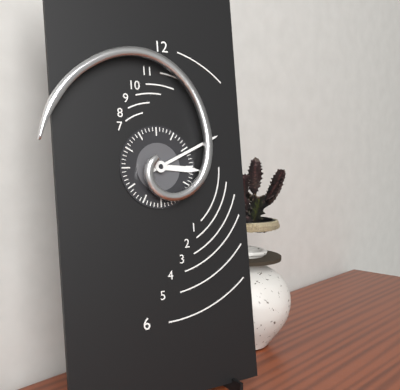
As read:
{"hour": 3, "minute": 11}
